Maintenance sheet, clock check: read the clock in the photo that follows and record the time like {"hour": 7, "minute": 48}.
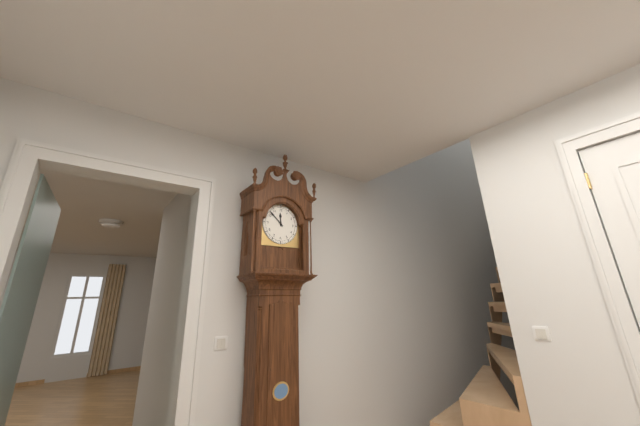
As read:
{"hour": 11, "minute": 52}
